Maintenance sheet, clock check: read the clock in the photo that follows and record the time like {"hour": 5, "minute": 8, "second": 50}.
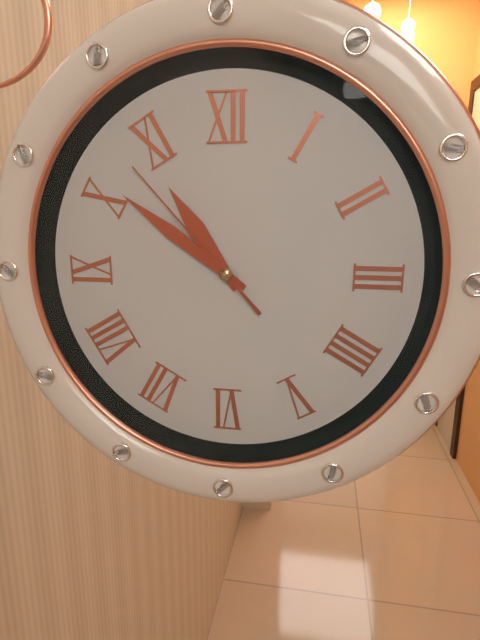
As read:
{"hour": 10, "minute": 51, "second": 53}
